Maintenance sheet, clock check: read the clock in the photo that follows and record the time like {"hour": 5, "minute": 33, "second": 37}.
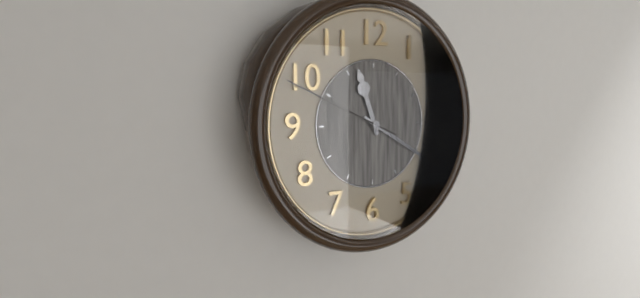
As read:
{"hour": 11, "minute": 20, "second": 49}
